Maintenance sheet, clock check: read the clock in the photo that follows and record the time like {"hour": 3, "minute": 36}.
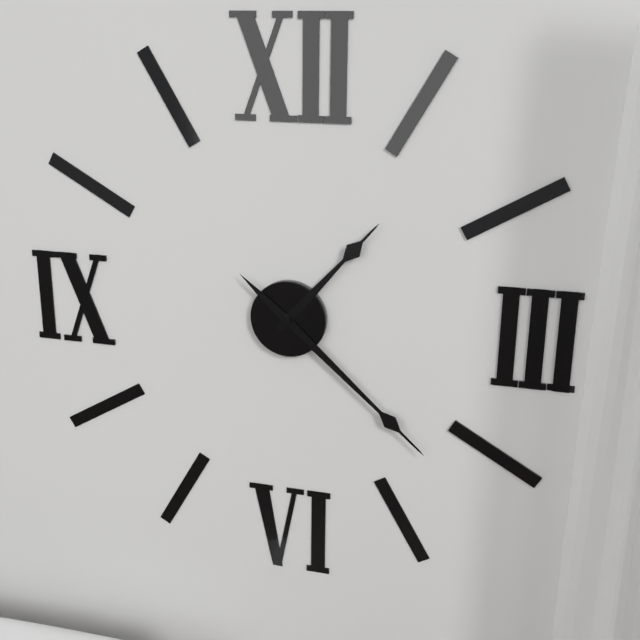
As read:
{"hour": 1, "minute": 22}
